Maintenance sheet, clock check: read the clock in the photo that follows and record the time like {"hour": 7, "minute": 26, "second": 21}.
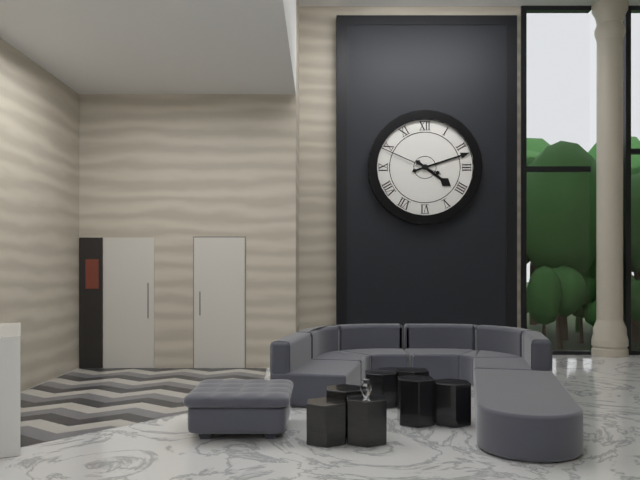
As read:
{"hour": 4, "minute": 12, "second": 49}
